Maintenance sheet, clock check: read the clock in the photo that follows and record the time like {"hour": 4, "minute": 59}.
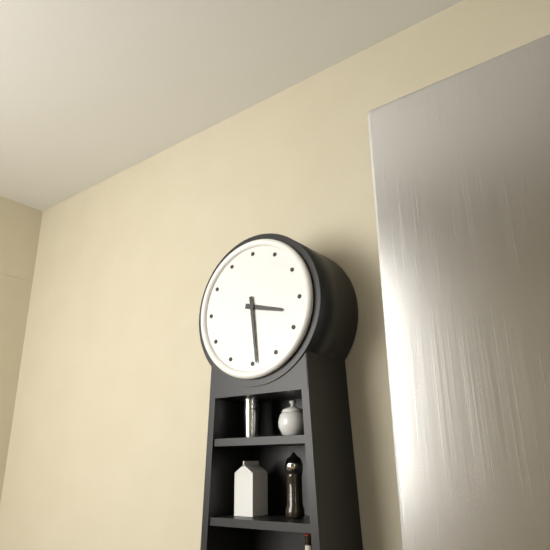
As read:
{"hour": 3, "minute": 29}
